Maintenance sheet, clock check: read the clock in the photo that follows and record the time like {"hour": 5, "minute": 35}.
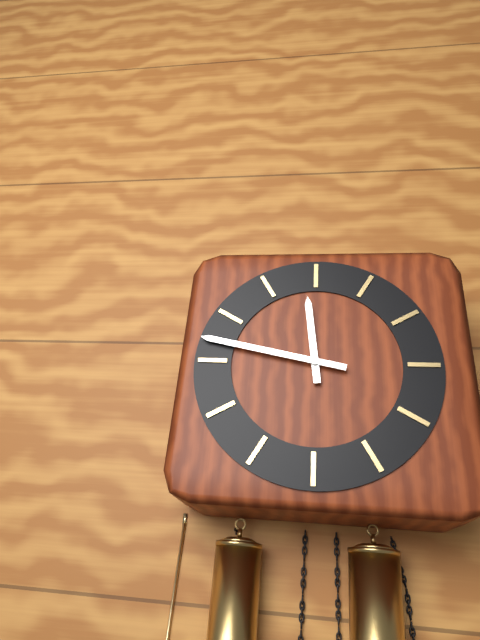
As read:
{"hour": 11, "minute": 47}
